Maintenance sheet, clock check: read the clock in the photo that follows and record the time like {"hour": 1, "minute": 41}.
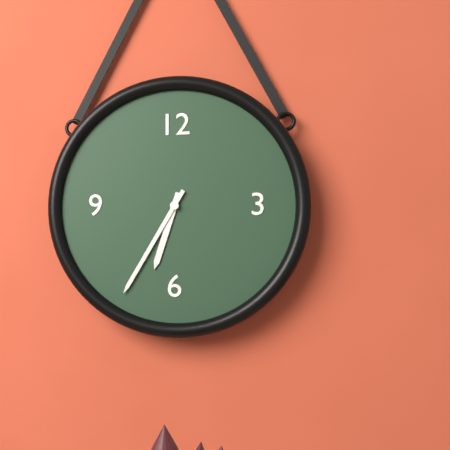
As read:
{"hour": 6, "minute": 35}
